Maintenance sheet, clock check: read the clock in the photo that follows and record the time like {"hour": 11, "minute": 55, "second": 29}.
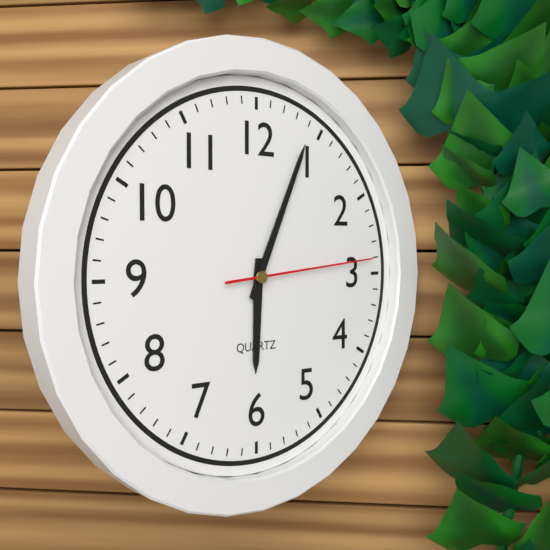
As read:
{"hour": 6, "minute": 4, "second": 14}
